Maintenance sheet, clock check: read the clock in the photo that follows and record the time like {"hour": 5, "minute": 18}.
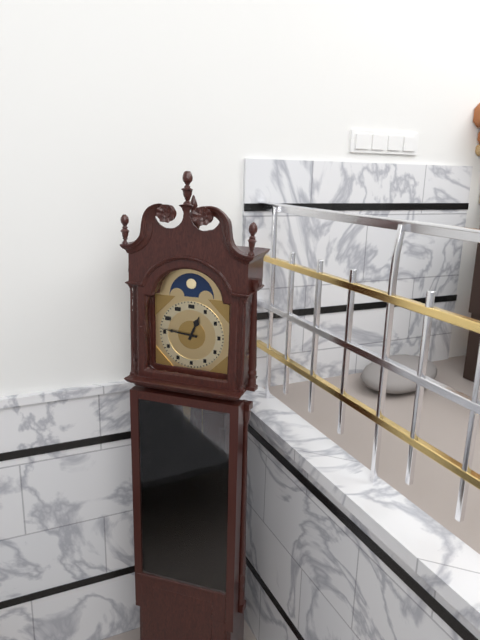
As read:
{"hour": 12, "minute": 46}
